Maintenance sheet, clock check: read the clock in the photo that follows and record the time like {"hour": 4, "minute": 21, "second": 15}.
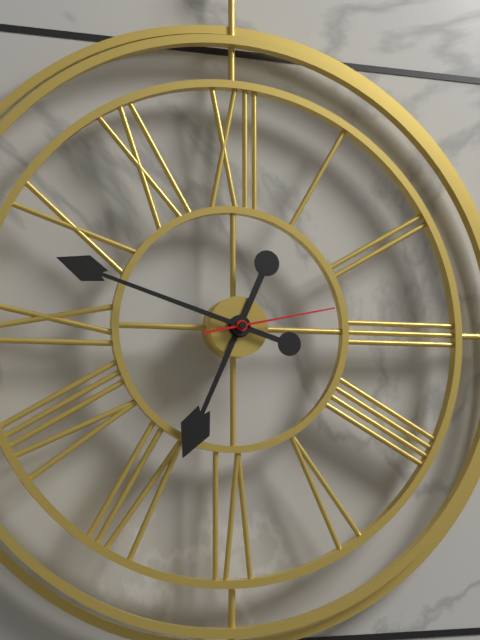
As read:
{"hour": 6, "minute": 48, "second": 13}
